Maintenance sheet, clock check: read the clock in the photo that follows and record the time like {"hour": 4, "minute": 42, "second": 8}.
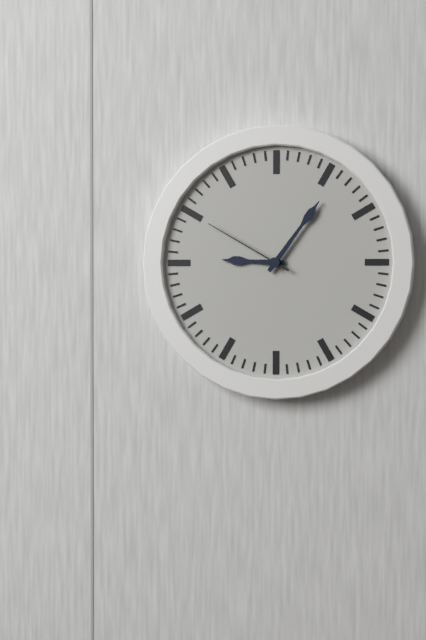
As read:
{"hour": 9, "minute": 6, "second": 50}
